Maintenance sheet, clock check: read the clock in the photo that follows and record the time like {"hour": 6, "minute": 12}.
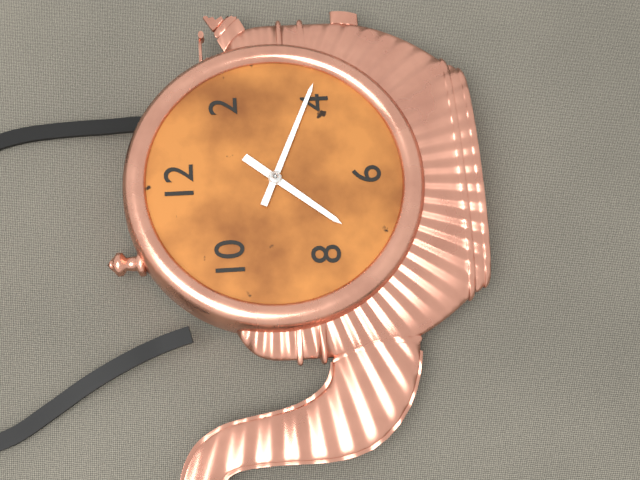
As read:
{"hour": 7, "minute": 19}
